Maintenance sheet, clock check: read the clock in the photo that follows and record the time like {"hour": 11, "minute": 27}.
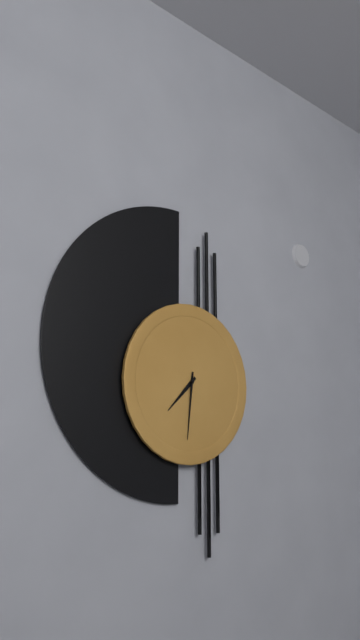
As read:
{"hour": 7, "minute": 31}
